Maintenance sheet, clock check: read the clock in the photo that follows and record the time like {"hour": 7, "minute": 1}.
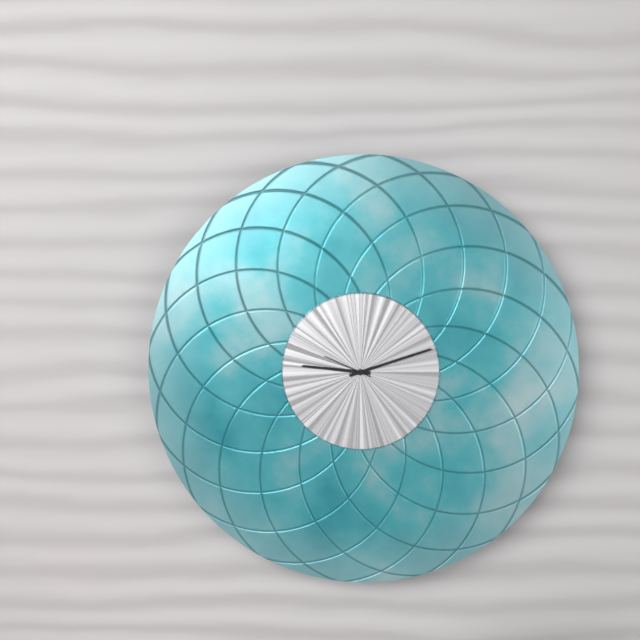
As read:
{"hour": 9, "minute": 12}
